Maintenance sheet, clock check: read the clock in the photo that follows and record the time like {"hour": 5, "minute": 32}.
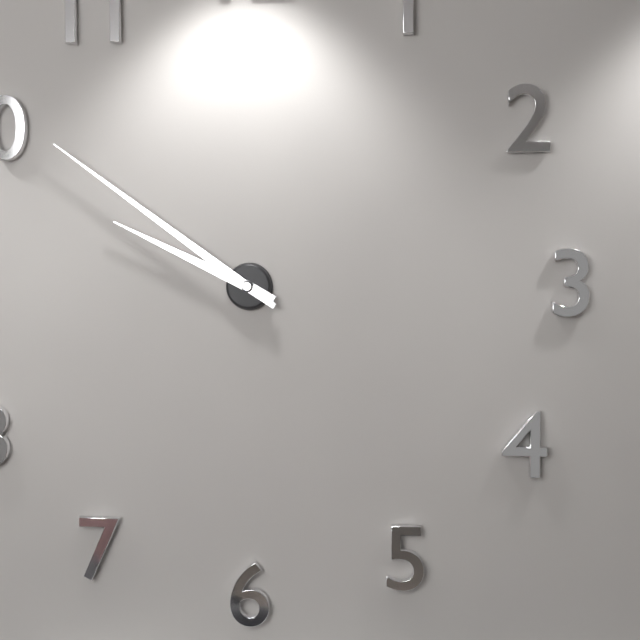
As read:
{"hour": 9, "minute": 51}
